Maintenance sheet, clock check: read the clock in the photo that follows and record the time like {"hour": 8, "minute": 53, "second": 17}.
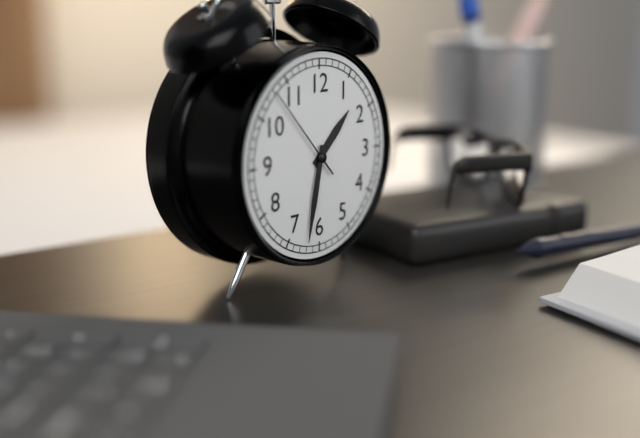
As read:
{"hour": 1, "minute": 32, "second": 53}
